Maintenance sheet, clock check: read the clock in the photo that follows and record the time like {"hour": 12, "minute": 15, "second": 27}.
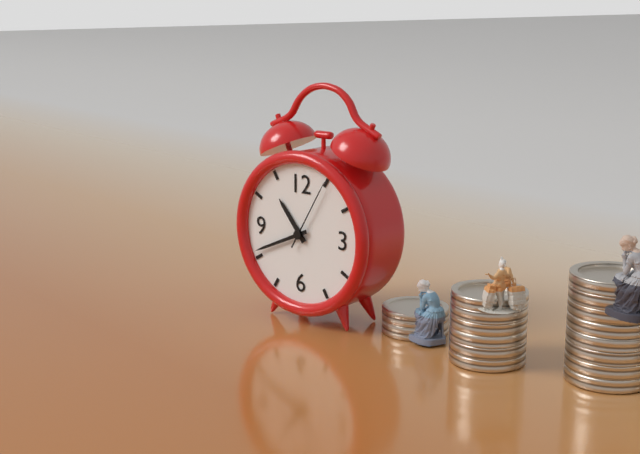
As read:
{"hour": 10, "minute": 41, "second": 5}
